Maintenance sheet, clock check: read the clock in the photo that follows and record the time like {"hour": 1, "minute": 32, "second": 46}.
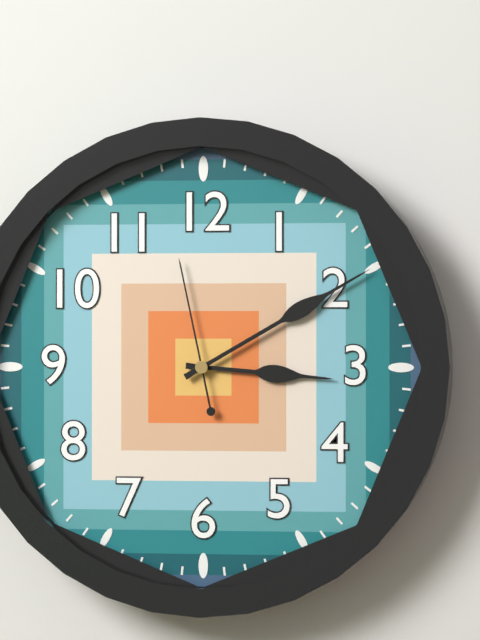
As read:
{"hour": 3, "minute": 10, "second": 58}
